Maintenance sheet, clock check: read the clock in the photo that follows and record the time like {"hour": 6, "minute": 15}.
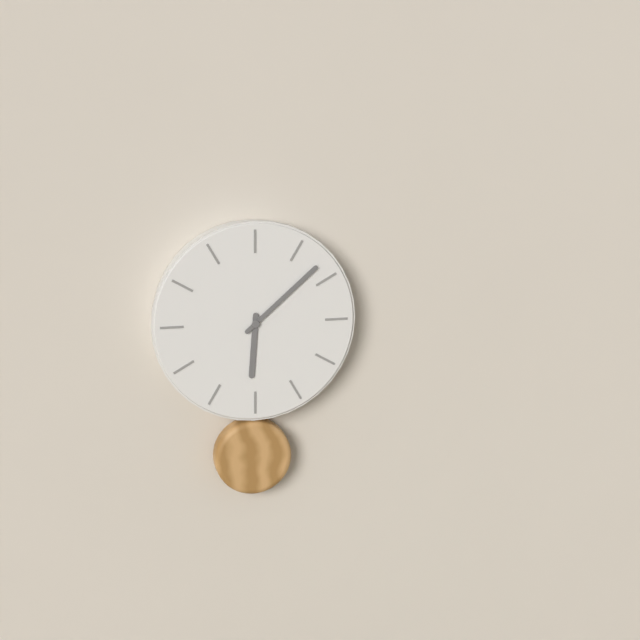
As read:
{"hour": 6, "minute": 8}
